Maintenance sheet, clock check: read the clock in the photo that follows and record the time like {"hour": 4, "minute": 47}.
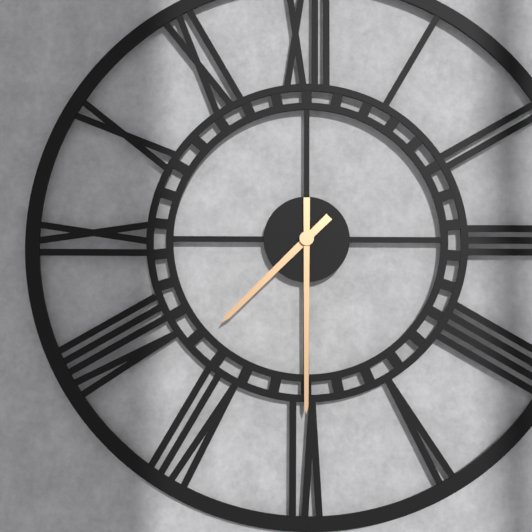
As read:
{"hour": 7, "minute": 30}
